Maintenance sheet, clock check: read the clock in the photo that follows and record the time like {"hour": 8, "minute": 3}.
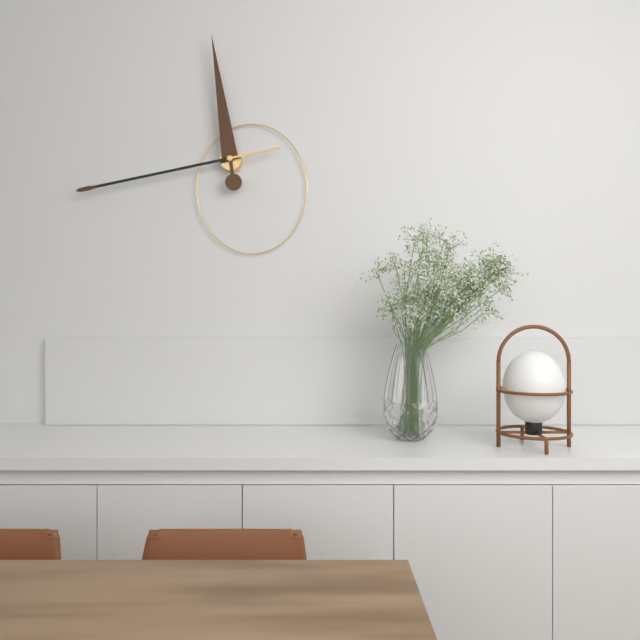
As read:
{"hour": 11, "minute": 43}
